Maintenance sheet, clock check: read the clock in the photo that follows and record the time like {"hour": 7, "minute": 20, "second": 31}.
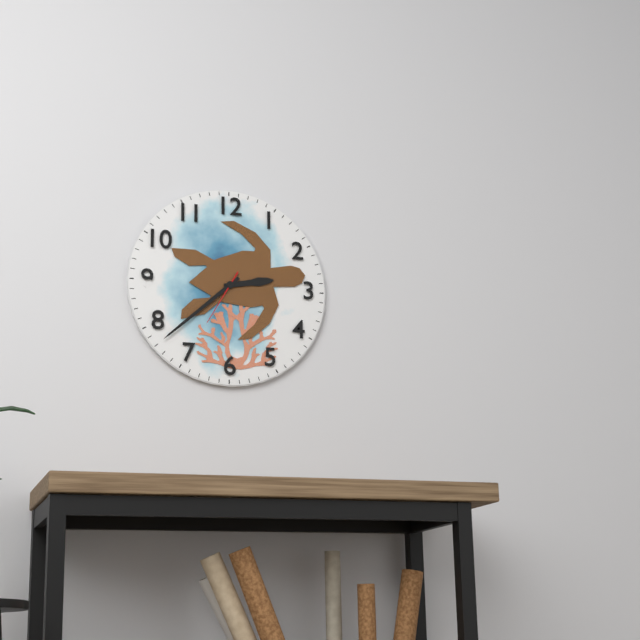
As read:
{"hour": 2, "minute": 38, "second": 35}
